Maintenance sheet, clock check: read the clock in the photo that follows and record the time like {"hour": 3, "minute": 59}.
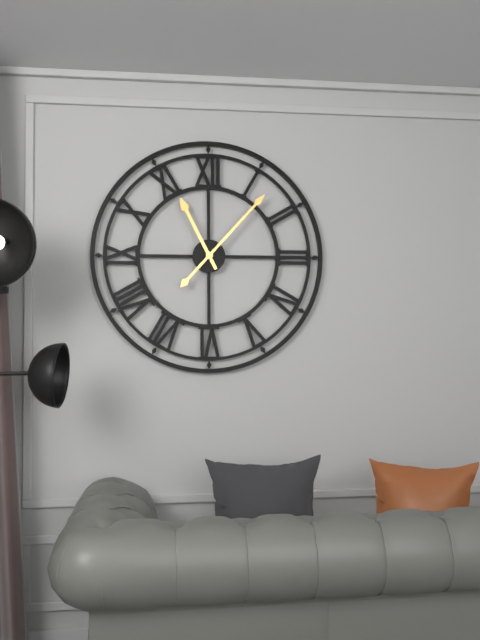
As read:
{"hour": 11, "minute": 7}
